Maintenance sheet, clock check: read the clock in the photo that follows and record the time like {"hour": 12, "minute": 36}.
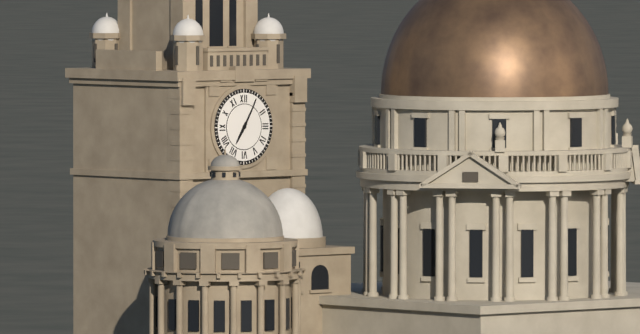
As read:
{"hour": 7, "minute": 5}
